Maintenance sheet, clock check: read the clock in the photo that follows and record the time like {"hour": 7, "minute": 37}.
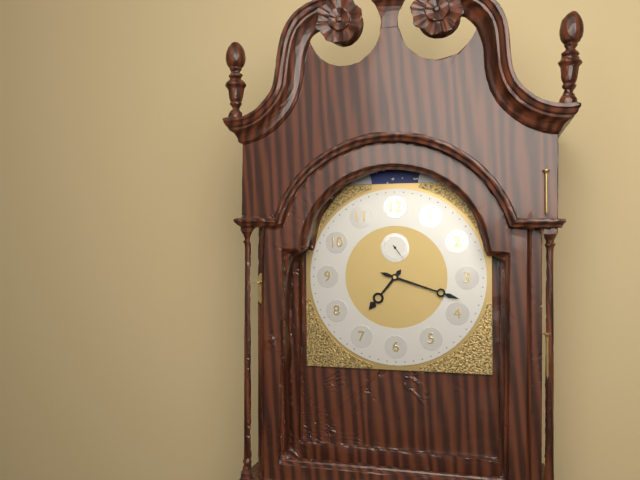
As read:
{"hour": 7, "minute": 18}
